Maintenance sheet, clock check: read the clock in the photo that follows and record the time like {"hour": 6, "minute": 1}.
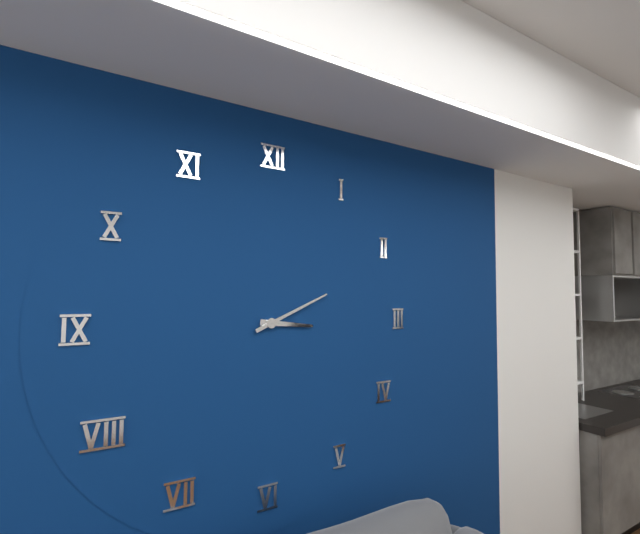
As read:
{"hour": 3, "minute": 11}
